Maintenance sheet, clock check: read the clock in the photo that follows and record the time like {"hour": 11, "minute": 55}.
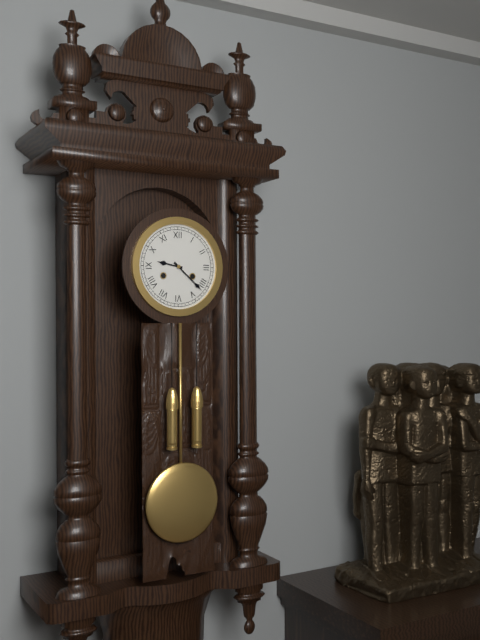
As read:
{"hour": 9, "minute": 22}
